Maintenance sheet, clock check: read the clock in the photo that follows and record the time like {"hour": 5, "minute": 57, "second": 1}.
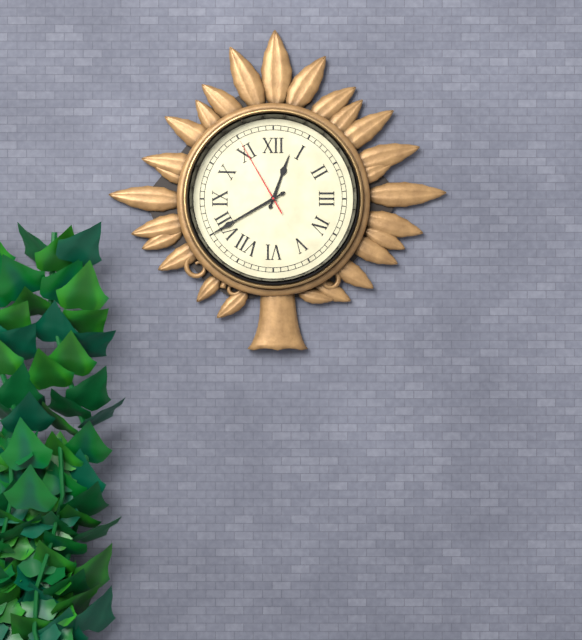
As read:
{"hour": 12, "minute": 40, "second": 55}
